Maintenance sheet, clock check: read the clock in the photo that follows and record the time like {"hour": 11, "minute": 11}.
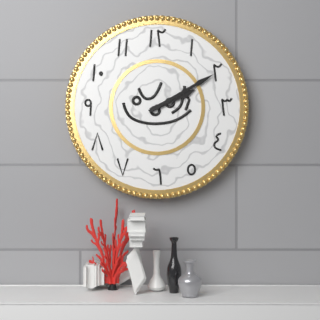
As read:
{"hour": 2, "minute": 10}
